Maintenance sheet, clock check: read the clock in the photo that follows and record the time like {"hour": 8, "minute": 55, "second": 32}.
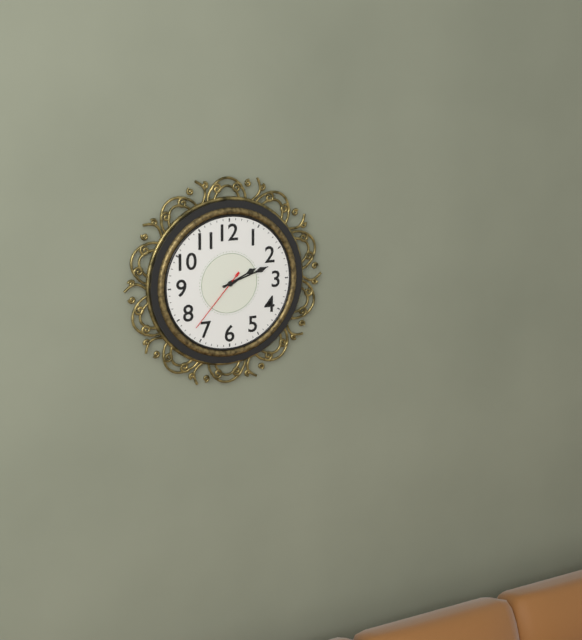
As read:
{"hour": 2, "minute": 12, "second": 37}
